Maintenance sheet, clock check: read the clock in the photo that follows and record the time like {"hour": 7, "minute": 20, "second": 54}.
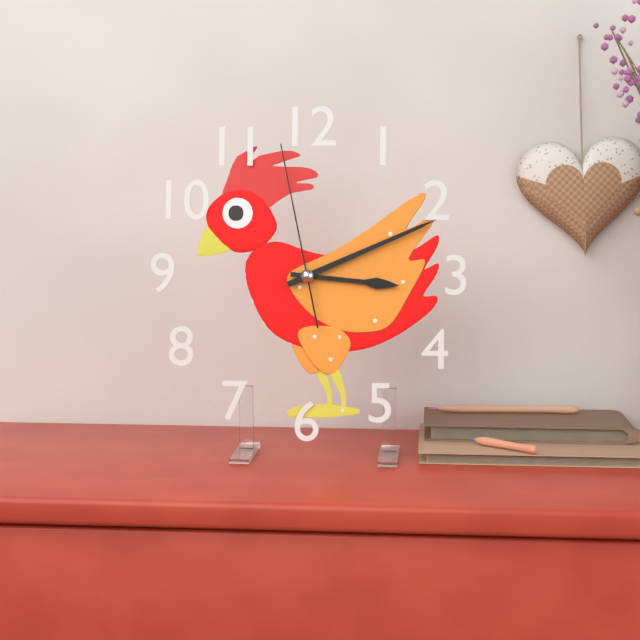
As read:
{"hour": 3, "minute": 11, "second": 58}
